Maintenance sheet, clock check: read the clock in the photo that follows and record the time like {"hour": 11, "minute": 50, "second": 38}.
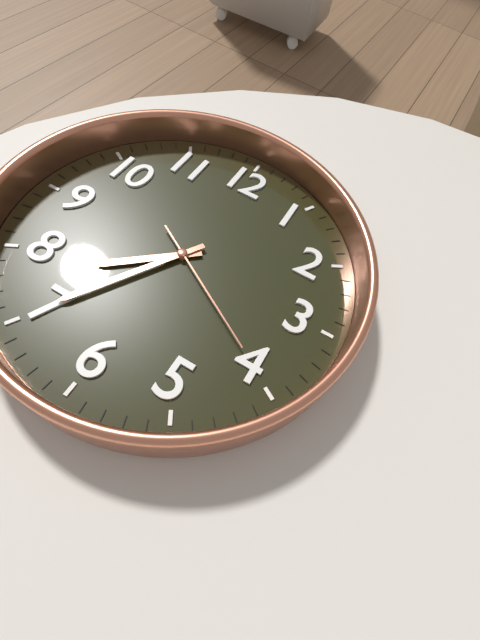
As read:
{"hour": 7, "minute": 35, "second": 20}
